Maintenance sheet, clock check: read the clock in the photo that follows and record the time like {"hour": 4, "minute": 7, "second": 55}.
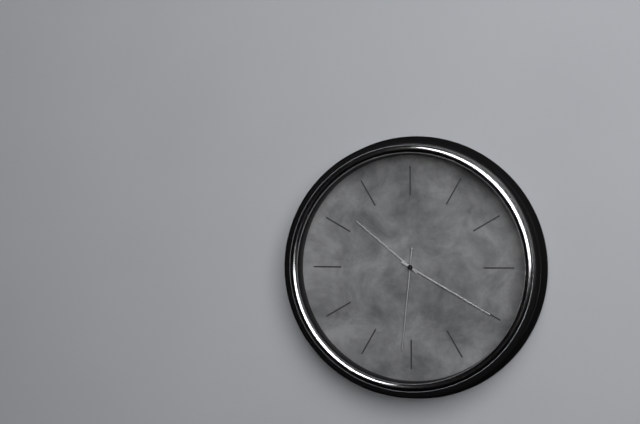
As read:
{"hour": 10, "minute": 20, "second": 31}
